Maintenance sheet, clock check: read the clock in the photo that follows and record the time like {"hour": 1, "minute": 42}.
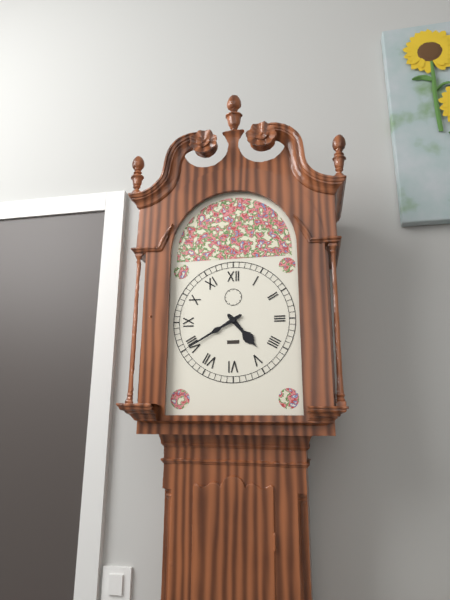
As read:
{"hour": 4, "minute": 40}
